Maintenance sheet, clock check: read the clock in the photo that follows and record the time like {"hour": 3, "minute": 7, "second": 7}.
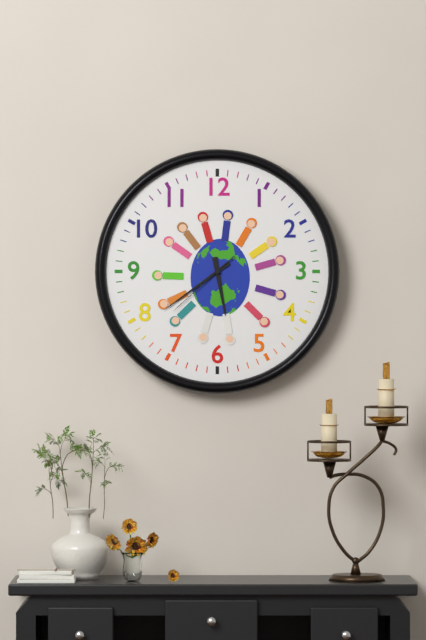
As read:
{"hour": 5, "minute": 39, "second": 38}
